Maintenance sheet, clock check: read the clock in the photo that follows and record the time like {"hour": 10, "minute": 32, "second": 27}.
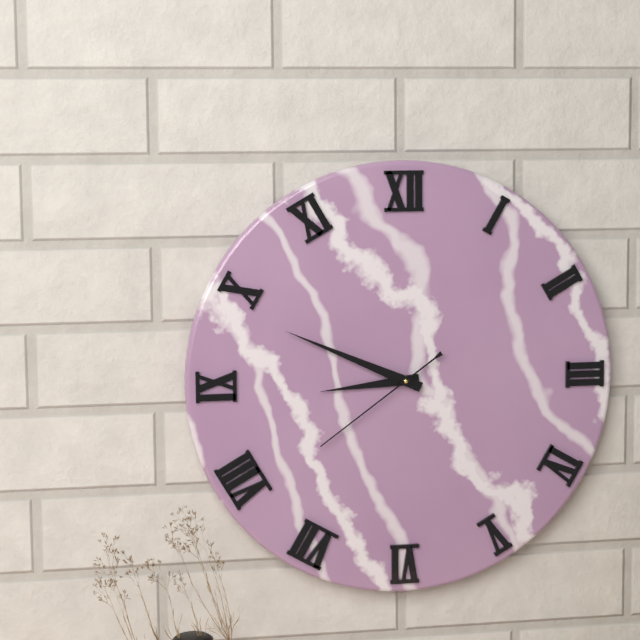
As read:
{"hour": 8, "minute": 49, "second": 39}
